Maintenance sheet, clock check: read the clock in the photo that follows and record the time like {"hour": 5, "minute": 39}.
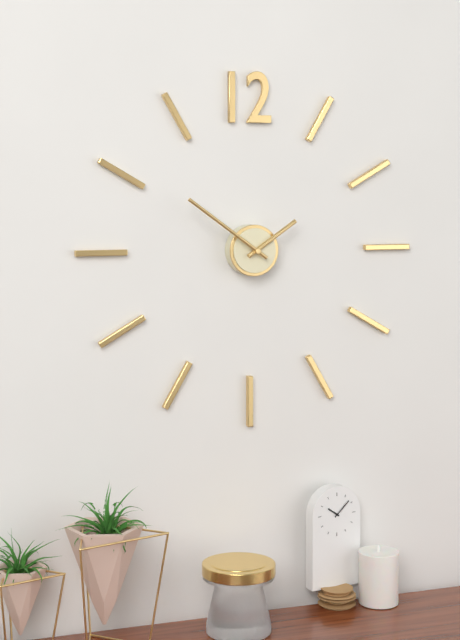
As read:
{"hour": 1, "minute": 51}
